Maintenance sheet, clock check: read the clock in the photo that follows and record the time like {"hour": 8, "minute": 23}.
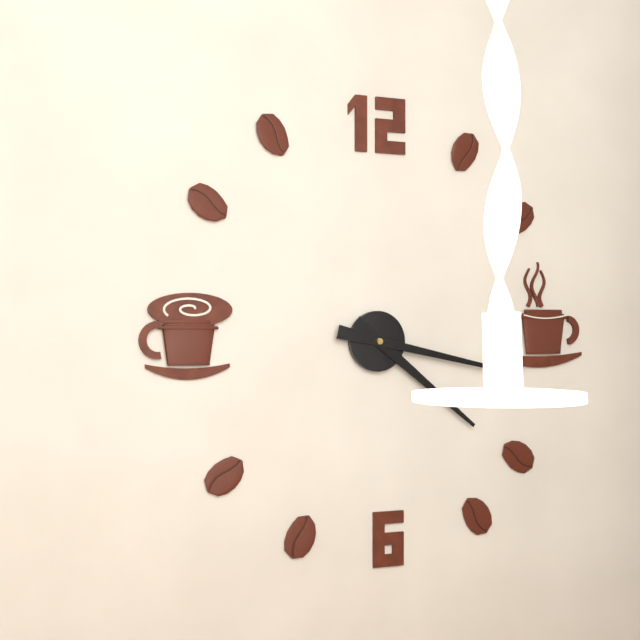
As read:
{"hour": 4, "minute": 17}
